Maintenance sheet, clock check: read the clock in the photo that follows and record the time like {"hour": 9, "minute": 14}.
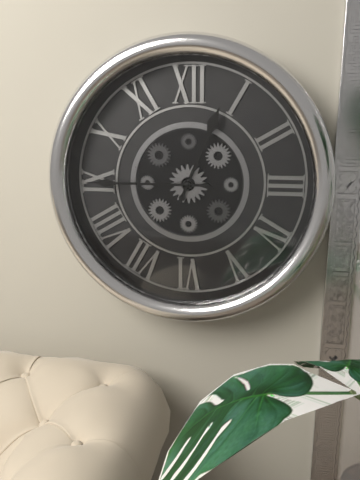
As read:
{"hour": 12, "minute": 45}
